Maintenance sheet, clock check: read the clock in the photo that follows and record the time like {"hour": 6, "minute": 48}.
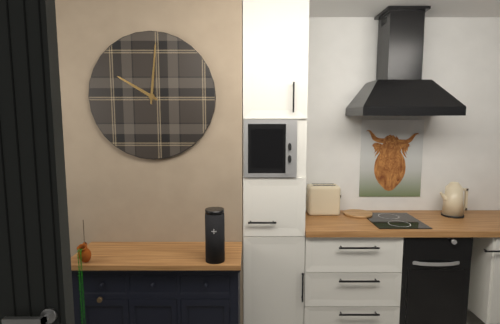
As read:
{"hour": 10, "minute": 1}
